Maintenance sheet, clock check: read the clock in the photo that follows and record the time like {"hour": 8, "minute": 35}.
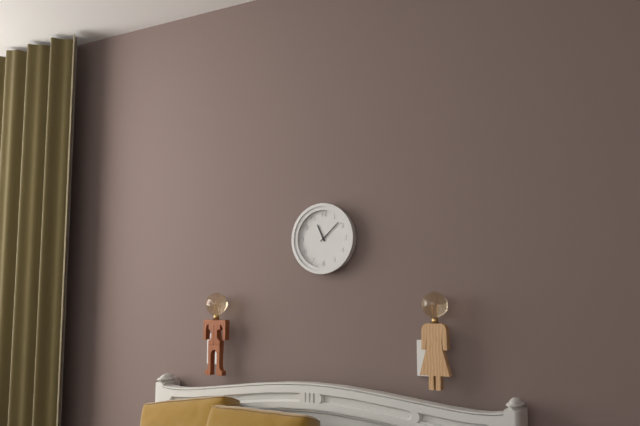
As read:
{"hour": 11, "minute": 8}
